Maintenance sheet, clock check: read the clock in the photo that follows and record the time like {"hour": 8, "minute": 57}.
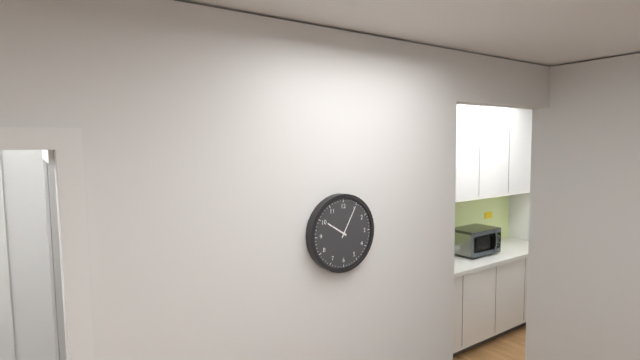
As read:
{"hour": 10, "minute": 5}
